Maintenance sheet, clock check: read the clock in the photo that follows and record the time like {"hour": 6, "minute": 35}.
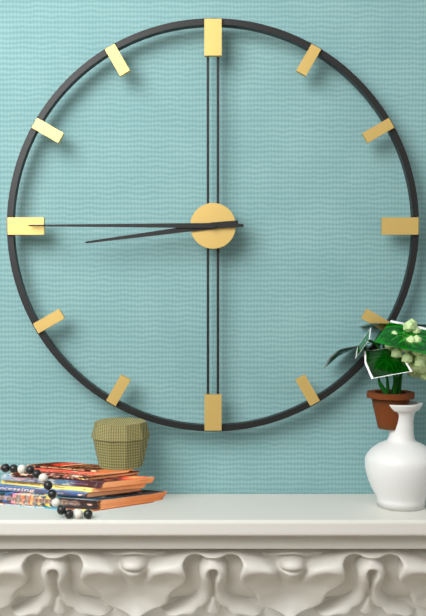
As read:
{"hour": 8, "minute": 45}
